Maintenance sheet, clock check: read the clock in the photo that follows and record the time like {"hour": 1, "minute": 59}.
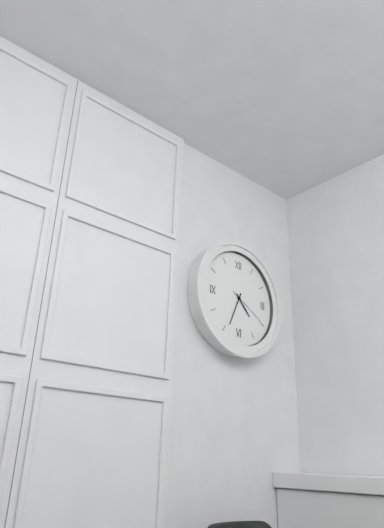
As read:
{"hour": 4, "minute": 34}
